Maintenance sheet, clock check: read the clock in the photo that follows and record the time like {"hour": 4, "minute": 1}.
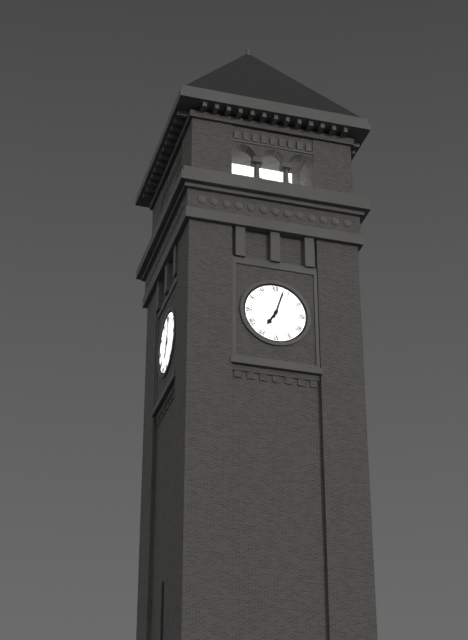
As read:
{"hour": 7, "minute": 3}
